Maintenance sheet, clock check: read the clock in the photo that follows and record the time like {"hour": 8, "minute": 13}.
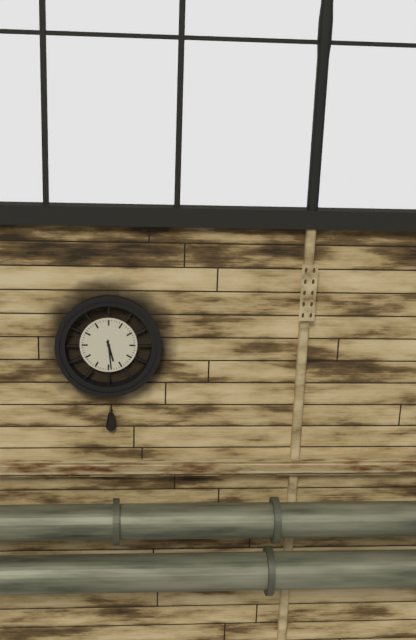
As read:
{"hour": 5, "minute": 29}
